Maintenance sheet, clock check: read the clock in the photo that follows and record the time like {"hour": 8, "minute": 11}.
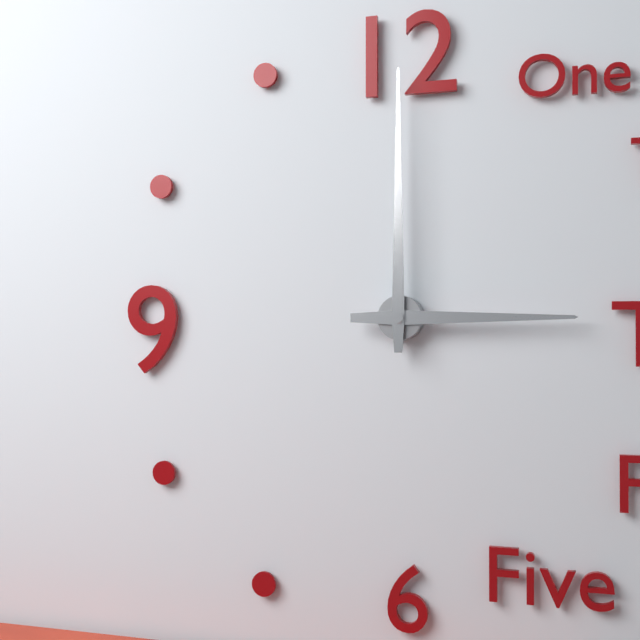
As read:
{"hour": 3, "minute": 0}
